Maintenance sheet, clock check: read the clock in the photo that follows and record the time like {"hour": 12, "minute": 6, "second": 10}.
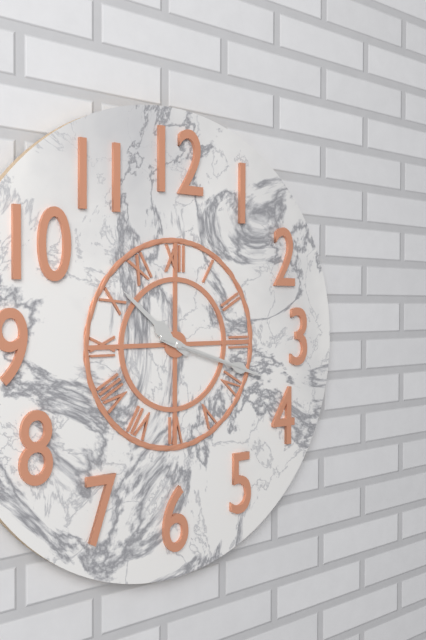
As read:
{"hour": 10, "minute": 18, "second": 18}
